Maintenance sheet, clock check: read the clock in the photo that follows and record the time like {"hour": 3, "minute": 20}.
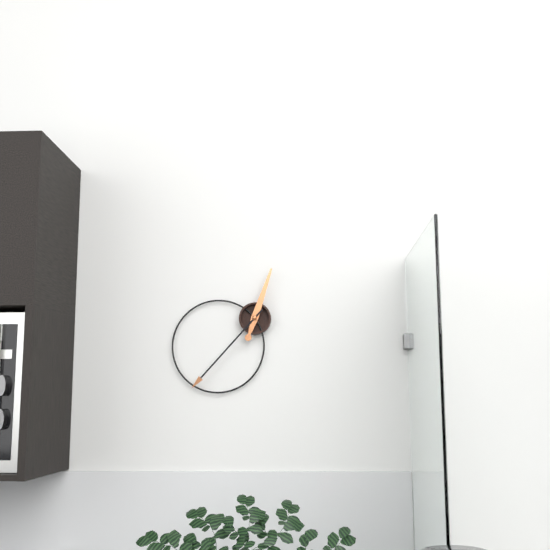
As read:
{"hour": 12, "minute": 37}
